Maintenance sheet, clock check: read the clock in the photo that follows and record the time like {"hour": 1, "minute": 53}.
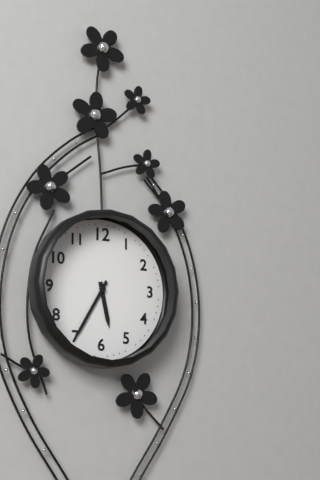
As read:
{"hour": 5, "minute": 35}
